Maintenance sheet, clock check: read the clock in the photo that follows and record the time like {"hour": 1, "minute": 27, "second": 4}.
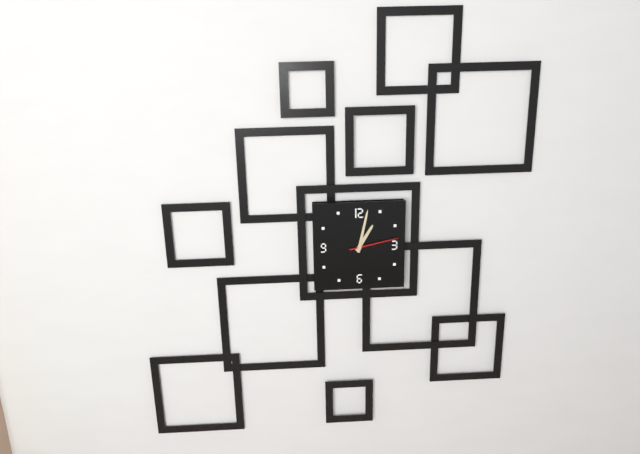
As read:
{"hour": 1, "minute": 2, "second": 13}
